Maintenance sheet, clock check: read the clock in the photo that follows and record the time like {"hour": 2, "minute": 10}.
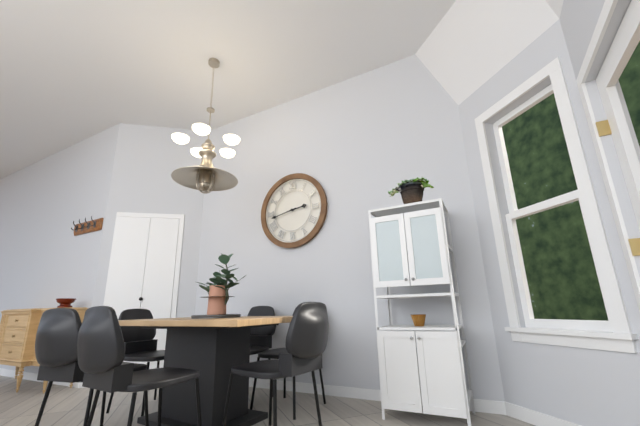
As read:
{"hour": 2, "minute": 43}
